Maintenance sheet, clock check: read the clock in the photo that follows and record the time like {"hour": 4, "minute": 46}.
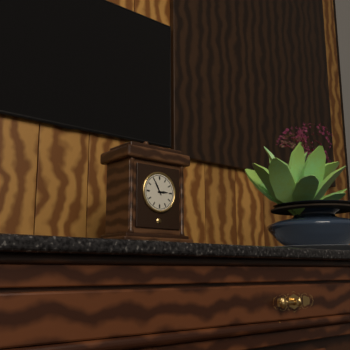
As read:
{"hour": 2, "minute": 55}
